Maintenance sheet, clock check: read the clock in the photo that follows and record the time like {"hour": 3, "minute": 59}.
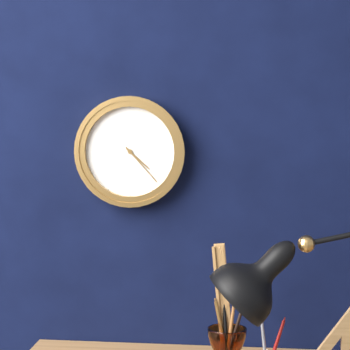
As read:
{"hour": 4, "minute": 23}
